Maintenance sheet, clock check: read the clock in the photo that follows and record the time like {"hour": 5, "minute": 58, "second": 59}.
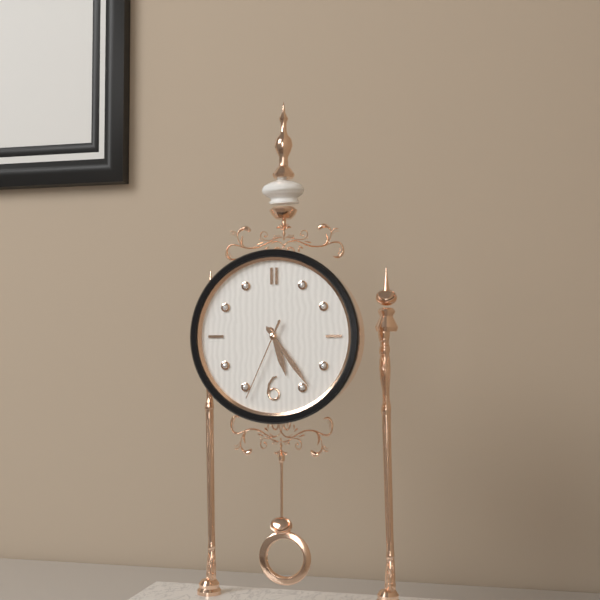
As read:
{"hour": 5, "minute": 24, "second": 34}
